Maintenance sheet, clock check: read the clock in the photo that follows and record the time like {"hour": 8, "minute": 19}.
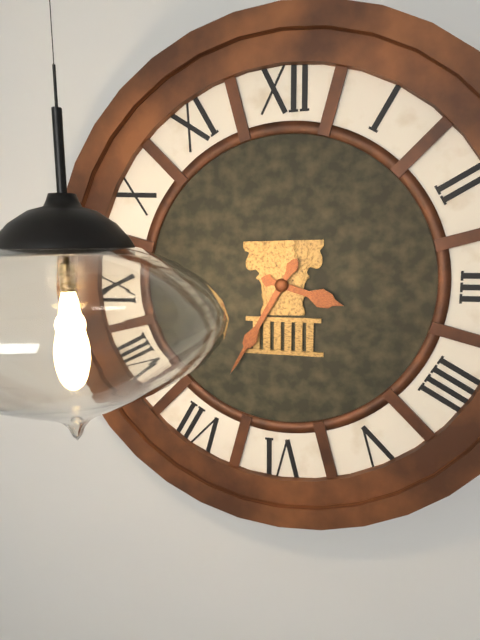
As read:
{"hour": 3, "minute": 35}
